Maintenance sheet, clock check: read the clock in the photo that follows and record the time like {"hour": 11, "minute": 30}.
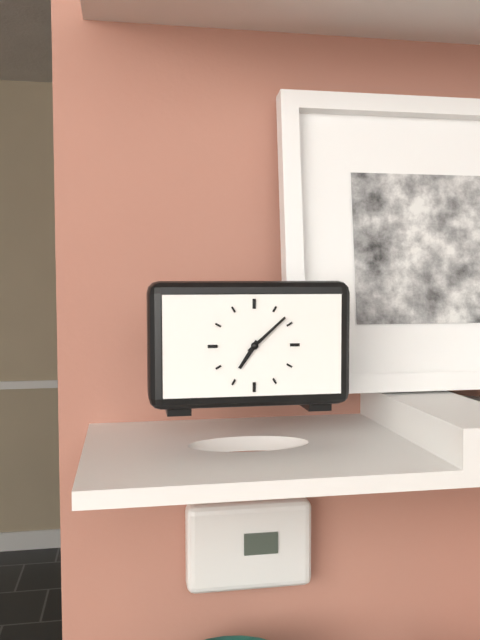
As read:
{"hour": 7, "minute": 8}
